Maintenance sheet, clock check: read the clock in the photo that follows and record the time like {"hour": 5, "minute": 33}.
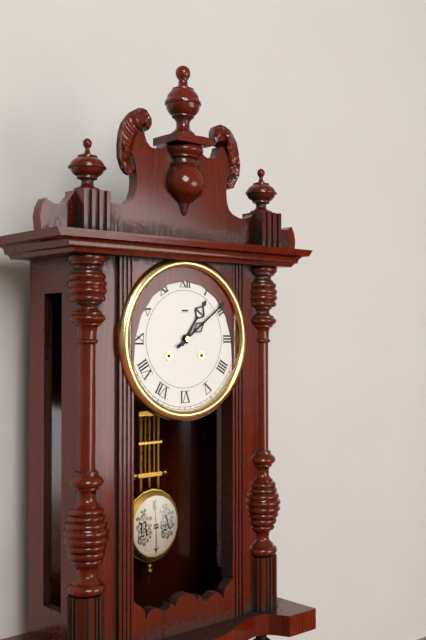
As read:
{"hour": 1, "minute": 9}
